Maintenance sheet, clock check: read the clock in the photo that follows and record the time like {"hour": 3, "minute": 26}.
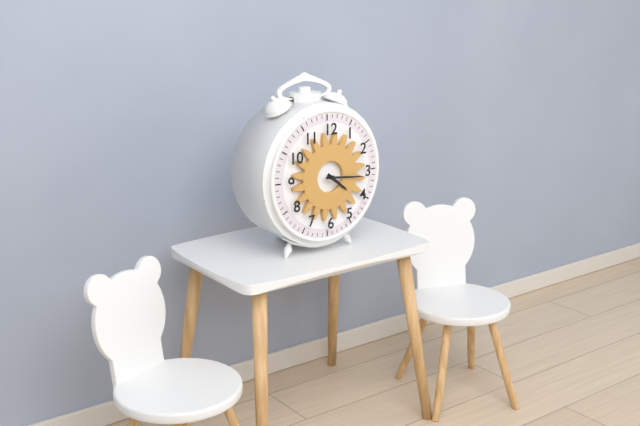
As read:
{"hour": 4, "minute": 16}
